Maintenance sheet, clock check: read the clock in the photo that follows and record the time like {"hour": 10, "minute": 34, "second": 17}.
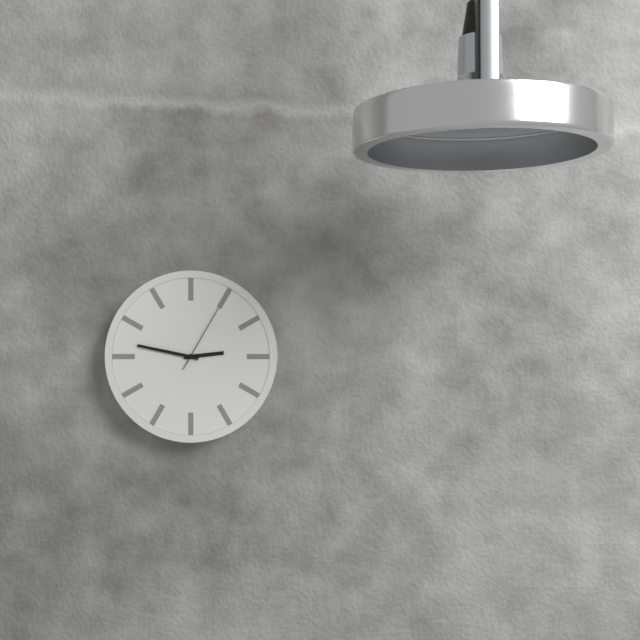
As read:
{"hour": 2, "minute": 47, "second": 5}
